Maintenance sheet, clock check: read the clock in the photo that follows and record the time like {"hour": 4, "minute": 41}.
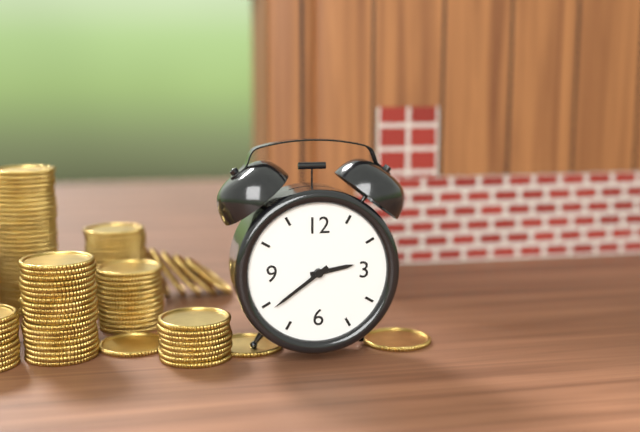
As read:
{"hour": 2, "minute": 39}
